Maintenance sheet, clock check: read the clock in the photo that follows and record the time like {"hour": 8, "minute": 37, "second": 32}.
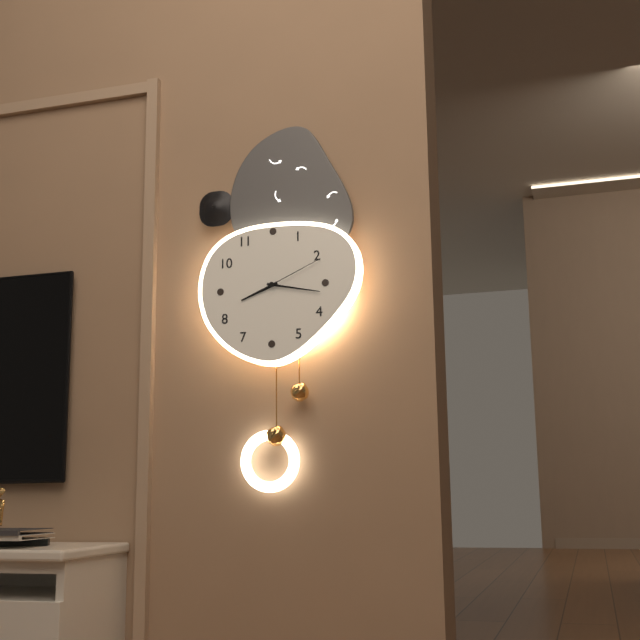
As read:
{"hour": 8, "minute": 17, "second": 11}
